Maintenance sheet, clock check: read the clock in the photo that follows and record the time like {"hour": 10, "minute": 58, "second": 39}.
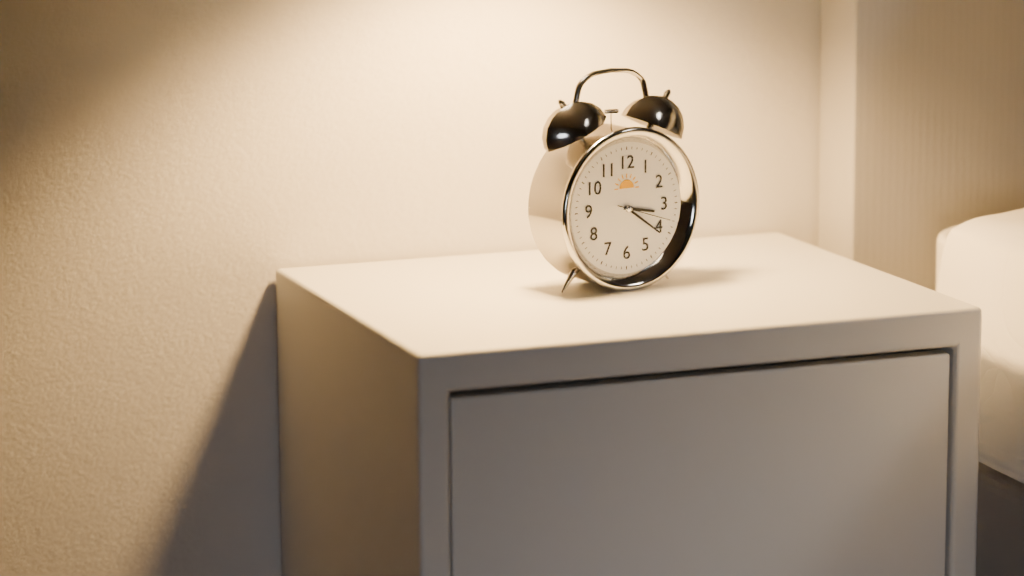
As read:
{"hour": 3, "minute": 21, "second": 18}
